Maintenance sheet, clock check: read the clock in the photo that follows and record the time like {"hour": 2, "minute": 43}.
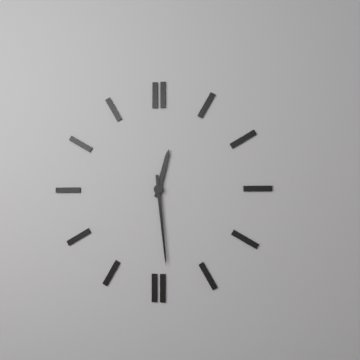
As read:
{"hour": 12, "minute": 29}
